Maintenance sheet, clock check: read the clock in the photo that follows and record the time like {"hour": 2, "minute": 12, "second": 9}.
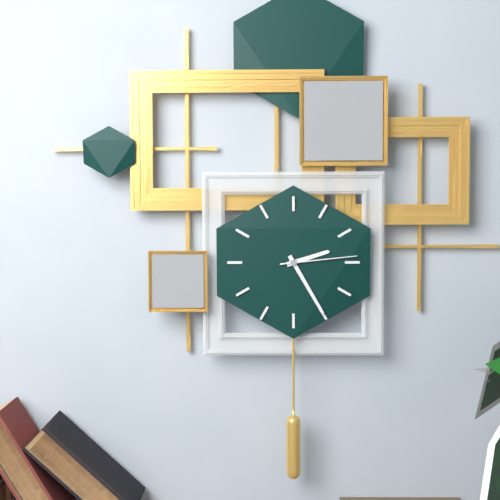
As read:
{"hour": 2, "minute": 25, "second": 14}
